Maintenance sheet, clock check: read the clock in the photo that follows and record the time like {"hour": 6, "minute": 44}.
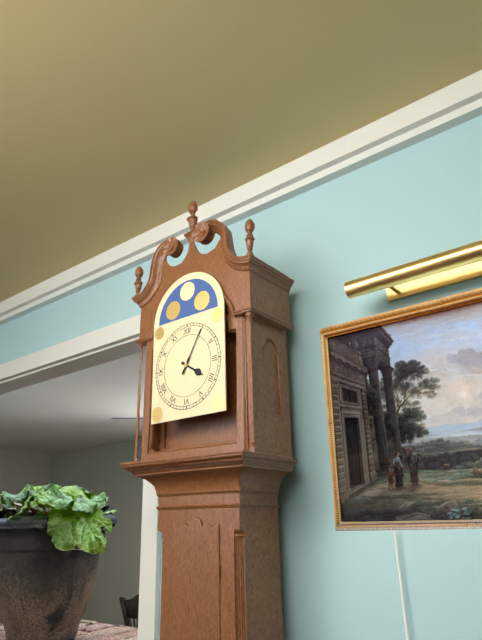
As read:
{"hour": 4, "minute": 5}
